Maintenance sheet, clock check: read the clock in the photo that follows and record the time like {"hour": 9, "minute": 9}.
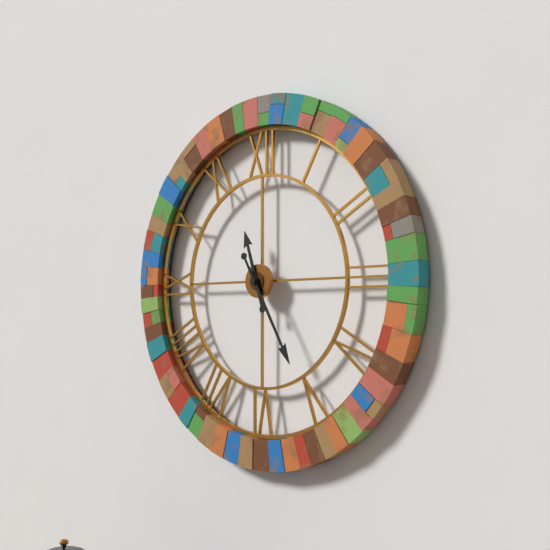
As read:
{"hour": 11, "minute": 25}
